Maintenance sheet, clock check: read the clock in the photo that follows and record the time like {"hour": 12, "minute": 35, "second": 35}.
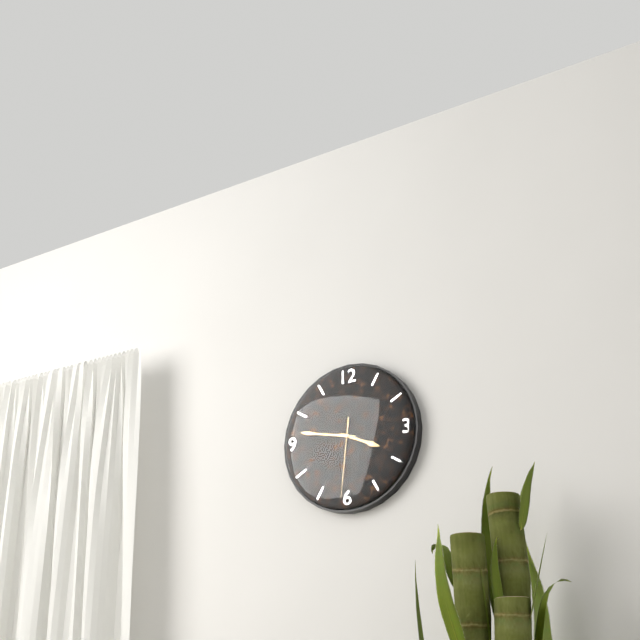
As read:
{"hour": 3, "minute": 47, "second": 31}
